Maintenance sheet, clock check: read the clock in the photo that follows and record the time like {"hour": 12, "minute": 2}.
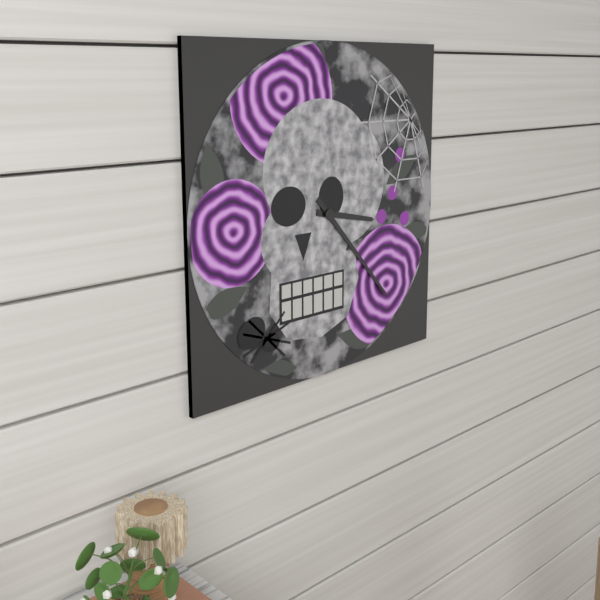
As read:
{"hour": 3, "minute": 23}
